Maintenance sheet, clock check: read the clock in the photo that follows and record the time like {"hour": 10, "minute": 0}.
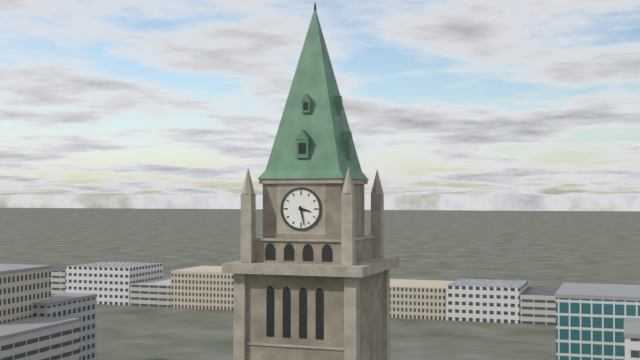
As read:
{"hour": 3, "minute": 28}
